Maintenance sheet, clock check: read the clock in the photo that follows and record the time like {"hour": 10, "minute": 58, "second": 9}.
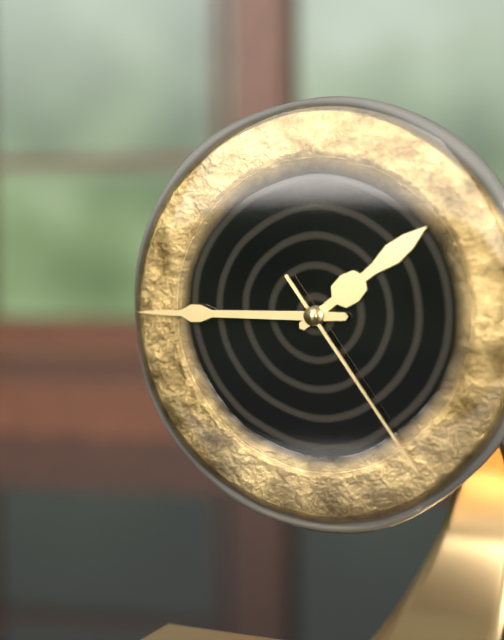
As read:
{"hour": 1, "minute": 45, "second": 24}
